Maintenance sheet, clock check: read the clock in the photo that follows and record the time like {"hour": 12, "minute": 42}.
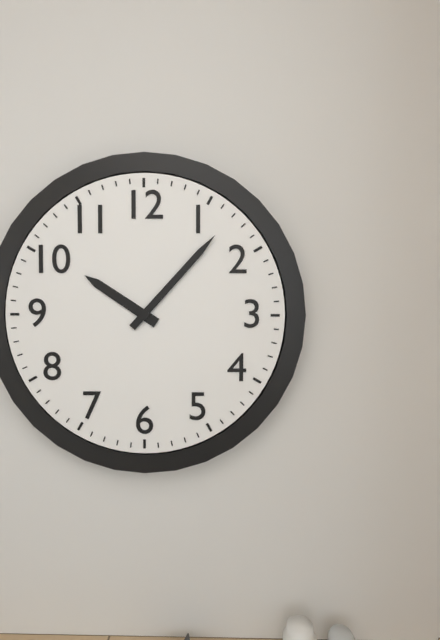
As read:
{"hour": 10, "minute": 7}
